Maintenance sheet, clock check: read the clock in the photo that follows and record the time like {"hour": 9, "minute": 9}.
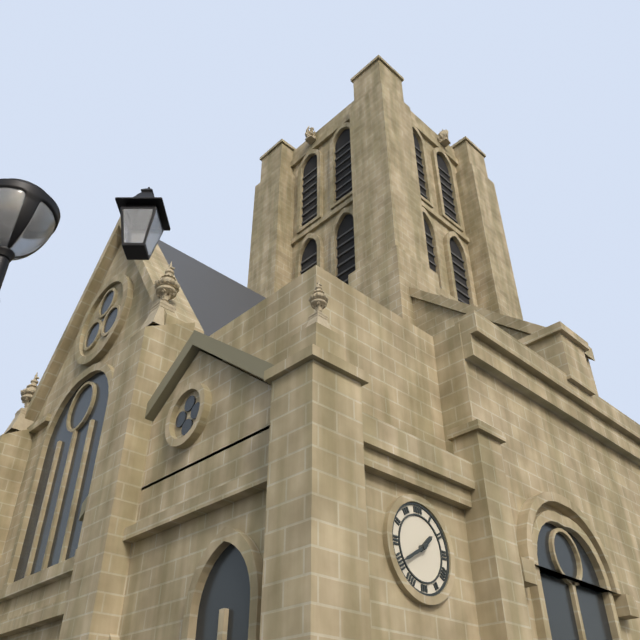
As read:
{"hour": 1, "minute": 40}
